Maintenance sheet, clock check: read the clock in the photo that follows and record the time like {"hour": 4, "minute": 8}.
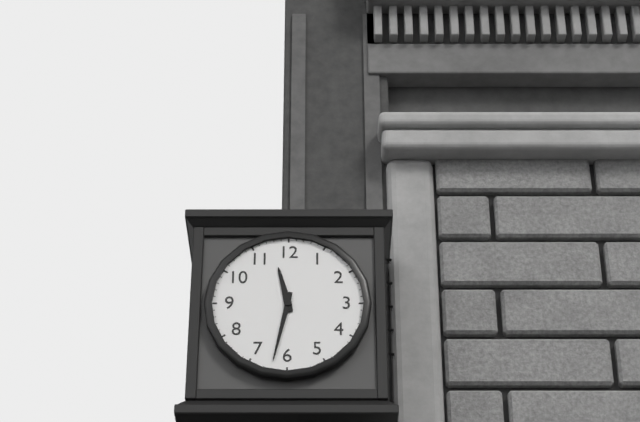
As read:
{"hour": 11, "minute": 32}
